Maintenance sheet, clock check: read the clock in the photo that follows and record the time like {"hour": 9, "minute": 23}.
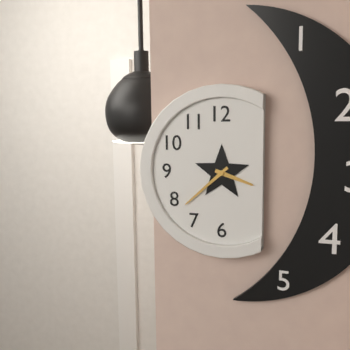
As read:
{"hour": 3, "minute": 38}
